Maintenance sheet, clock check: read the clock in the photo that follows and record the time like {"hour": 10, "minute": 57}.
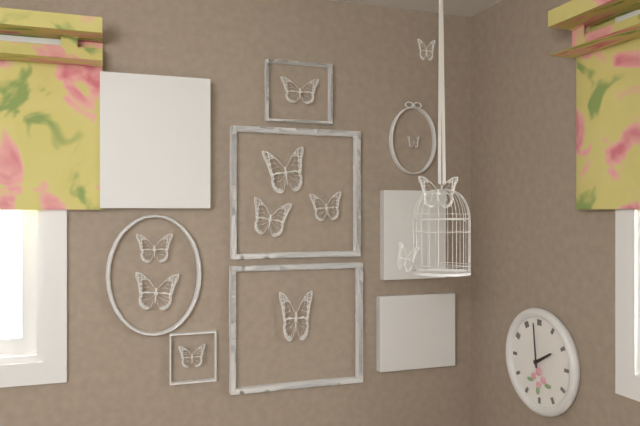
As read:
{"hour": 1, "minute": 59}
